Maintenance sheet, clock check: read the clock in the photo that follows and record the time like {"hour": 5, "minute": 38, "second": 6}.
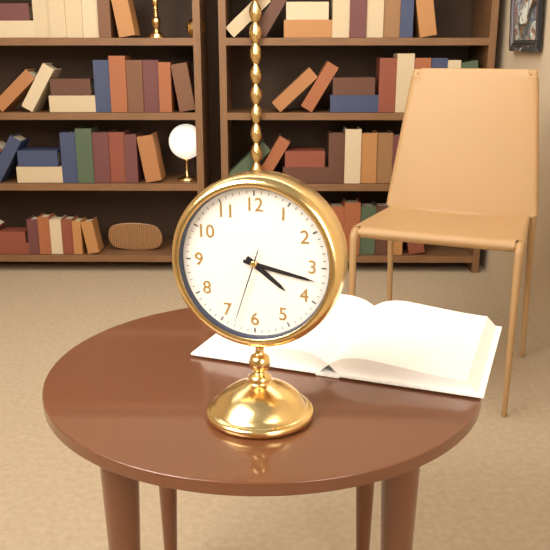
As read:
{"hour": 4, "minute": 17, "second": 33}
